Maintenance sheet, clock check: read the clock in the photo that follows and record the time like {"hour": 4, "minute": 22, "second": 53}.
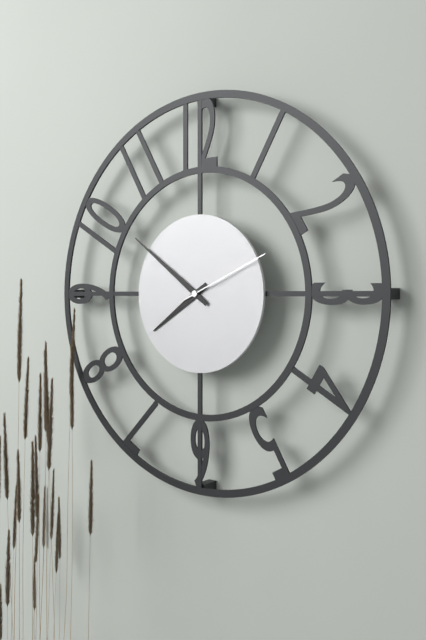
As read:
{"hour": 7, "minute": 51, "second": 11}
